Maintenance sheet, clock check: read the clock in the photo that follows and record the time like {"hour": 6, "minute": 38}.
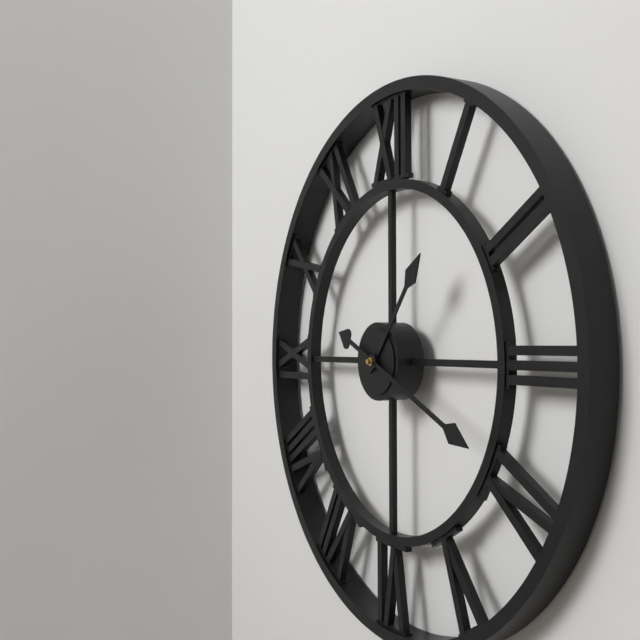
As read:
{"hour": 1, "minute": 19}
